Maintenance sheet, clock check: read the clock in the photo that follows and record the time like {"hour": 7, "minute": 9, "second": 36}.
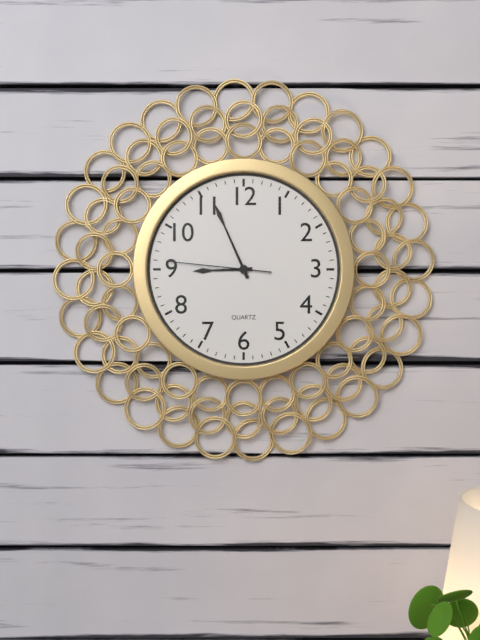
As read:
{"hour": 8, "minute": 56, "second": 46}
